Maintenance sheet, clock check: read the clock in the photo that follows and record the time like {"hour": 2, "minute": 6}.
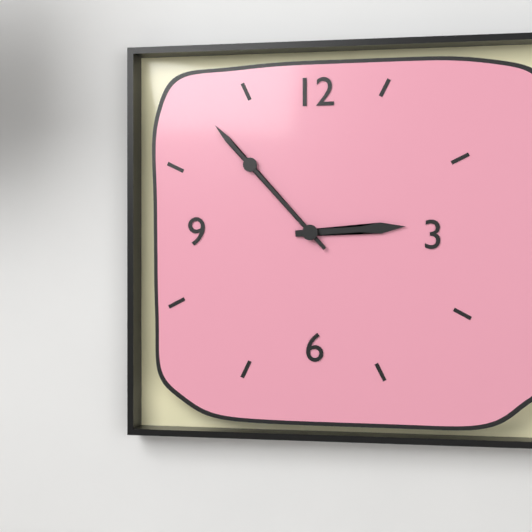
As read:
{"hour": 2, "minute": 53}
